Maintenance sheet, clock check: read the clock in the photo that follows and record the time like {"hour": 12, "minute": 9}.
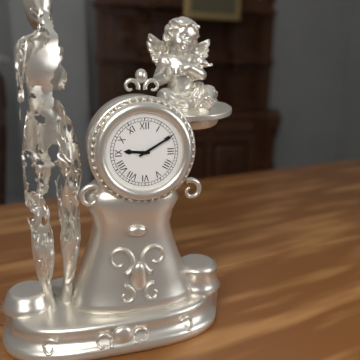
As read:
{"hour": 9, "minute": 10}
